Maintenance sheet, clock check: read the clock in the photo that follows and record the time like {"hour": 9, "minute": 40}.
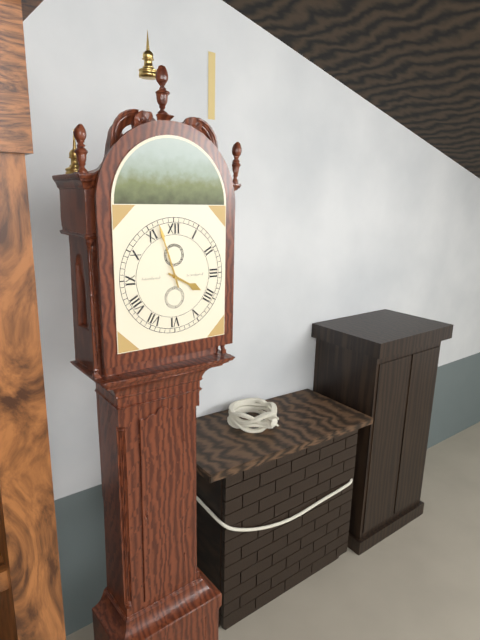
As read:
{"hour": 3, "minute": 57}
